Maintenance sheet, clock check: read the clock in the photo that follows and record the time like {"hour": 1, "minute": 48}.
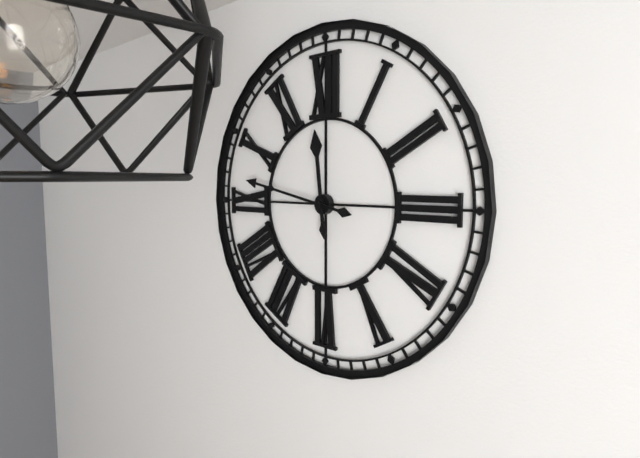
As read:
{"hour": 11, "minute": 47}
